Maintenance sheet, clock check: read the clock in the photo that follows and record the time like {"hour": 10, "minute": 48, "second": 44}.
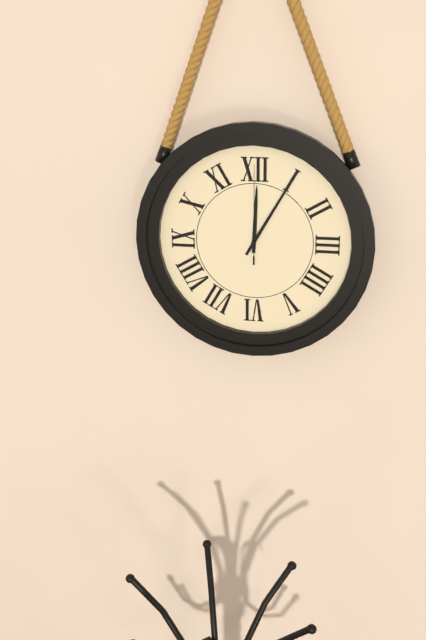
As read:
{"hour": 12, "minute": 5, "second": 0}
